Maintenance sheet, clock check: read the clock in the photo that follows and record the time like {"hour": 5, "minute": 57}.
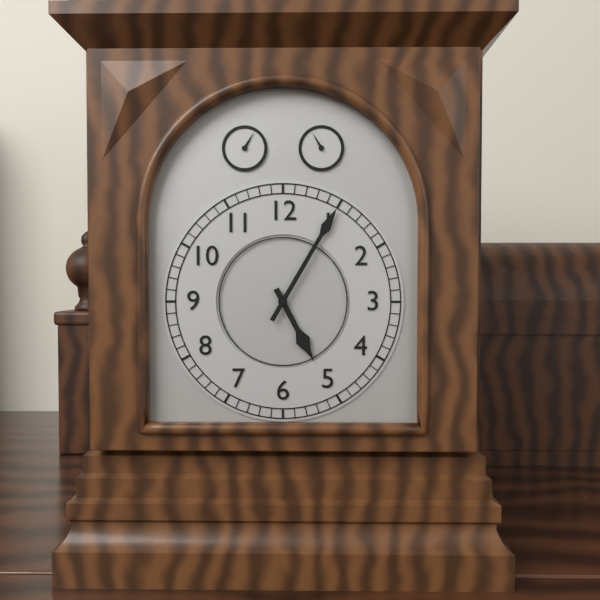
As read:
{"hour": 5, "minute": 5}
